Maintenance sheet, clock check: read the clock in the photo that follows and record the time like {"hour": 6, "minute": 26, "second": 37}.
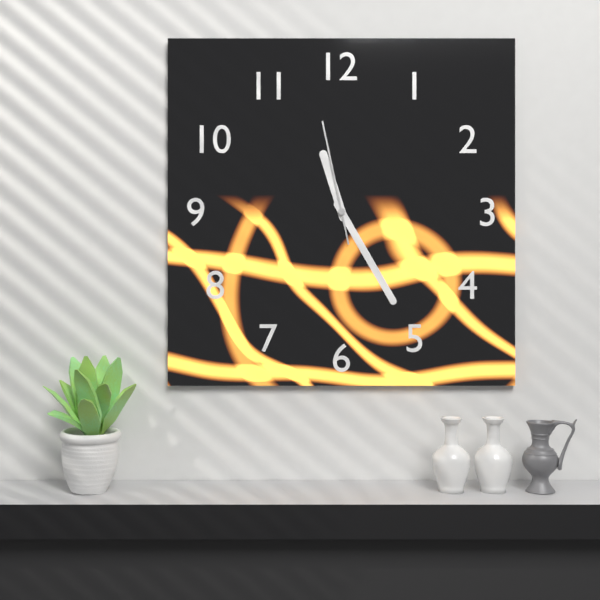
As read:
{"hour": 11, "minute": 25, "second": 58}
